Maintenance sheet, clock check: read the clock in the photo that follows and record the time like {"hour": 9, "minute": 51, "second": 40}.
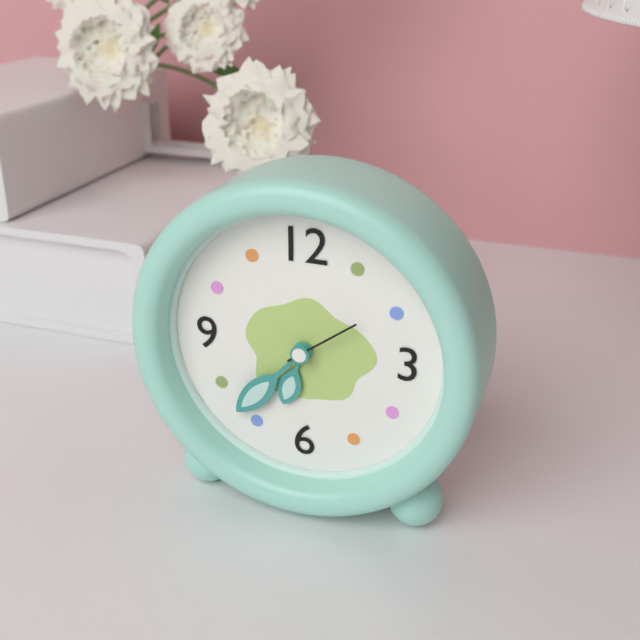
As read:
{"hour": 6, "minute": 37, "second": 9}
